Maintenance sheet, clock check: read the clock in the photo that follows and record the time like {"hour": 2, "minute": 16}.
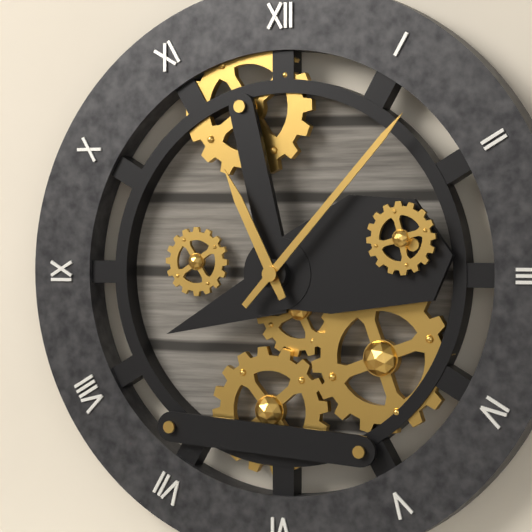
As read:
{"hour": 11, "minute": 7}
